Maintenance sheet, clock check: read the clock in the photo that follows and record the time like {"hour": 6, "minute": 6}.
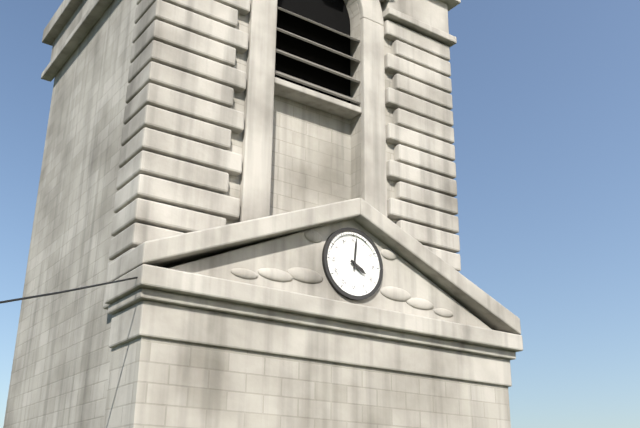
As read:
{"hour": 4, "minute": 1}
